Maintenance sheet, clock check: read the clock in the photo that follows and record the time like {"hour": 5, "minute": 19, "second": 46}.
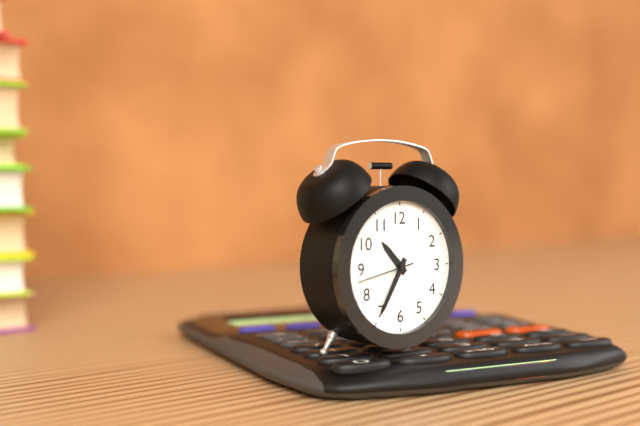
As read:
{"hour": 10, "minute": 35, "second": 43}
